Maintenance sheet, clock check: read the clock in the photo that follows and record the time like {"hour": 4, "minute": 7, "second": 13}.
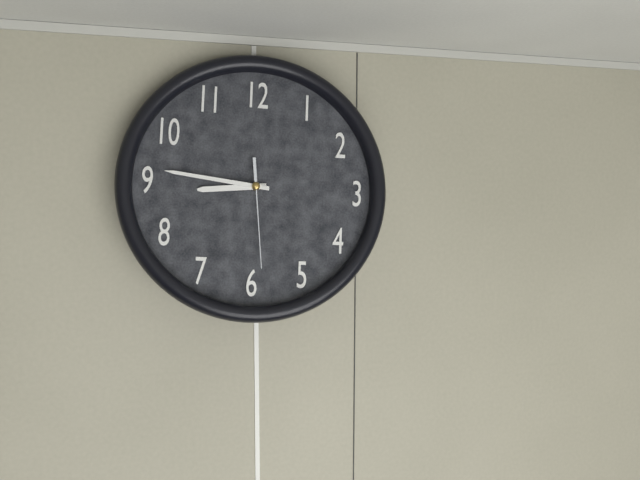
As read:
{"hour": 8, "minute": 46, "second": 29}
